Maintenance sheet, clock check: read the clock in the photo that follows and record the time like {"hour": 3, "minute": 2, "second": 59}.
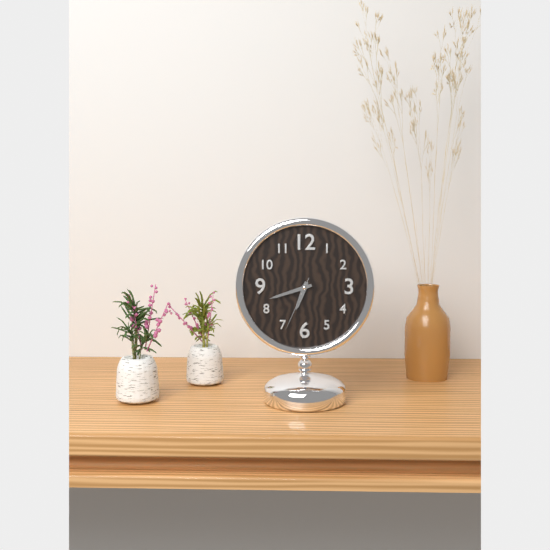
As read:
{"hour": 6, "minute": 42, "second": 34}
